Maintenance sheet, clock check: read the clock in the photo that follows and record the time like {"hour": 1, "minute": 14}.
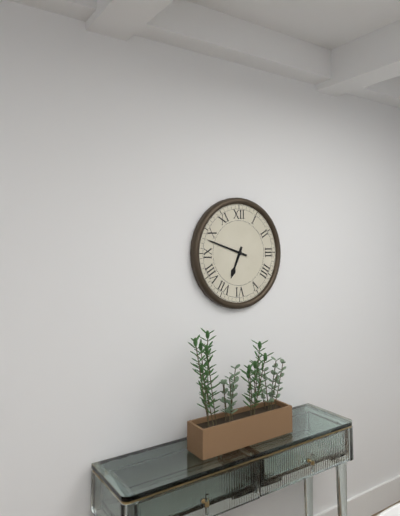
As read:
{"hour": 6, "minute": 48}
